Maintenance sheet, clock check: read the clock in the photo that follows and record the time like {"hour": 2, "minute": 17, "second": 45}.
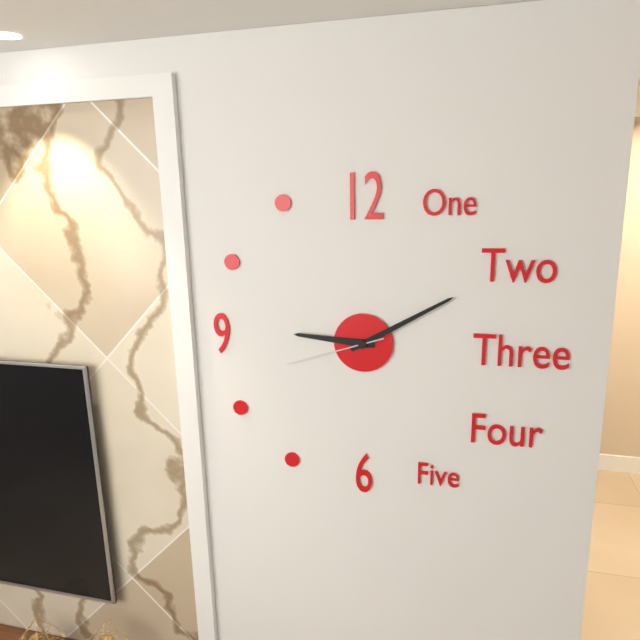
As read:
{"hour": 9, "minute": 10, "second": 42}
